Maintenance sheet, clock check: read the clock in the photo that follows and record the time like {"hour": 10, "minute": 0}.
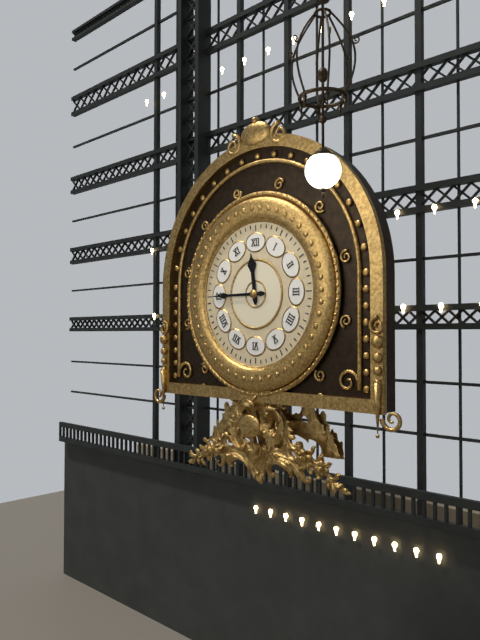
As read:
{"hour": 11, "minute": 45}
